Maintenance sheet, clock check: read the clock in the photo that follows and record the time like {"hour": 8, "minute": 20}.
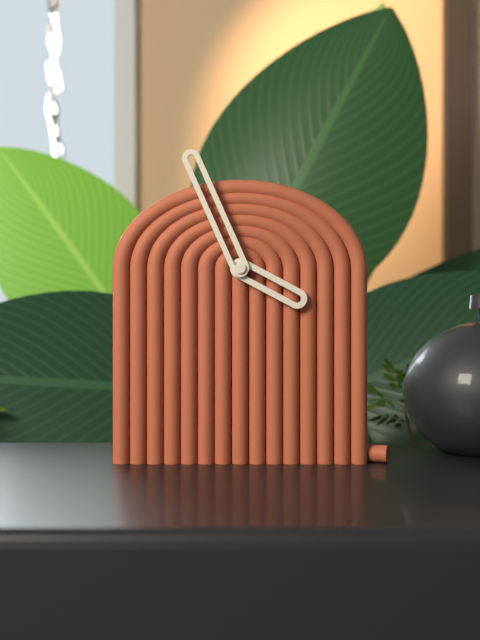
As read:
{"hour": 3, "minute": 56}
